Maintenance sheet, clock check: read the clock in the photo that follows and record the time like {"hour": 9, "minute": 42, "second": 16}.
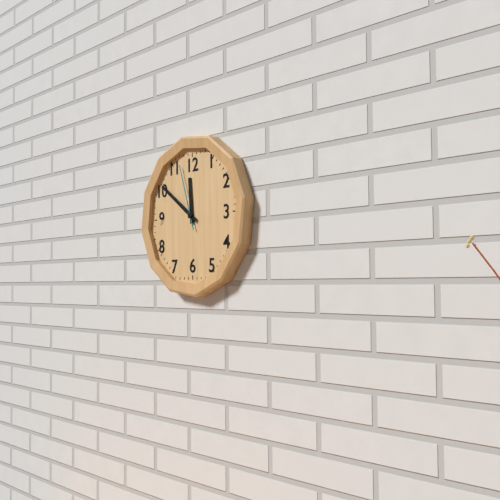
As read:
{"hour": 11, "minute": 51, "second": 57}
